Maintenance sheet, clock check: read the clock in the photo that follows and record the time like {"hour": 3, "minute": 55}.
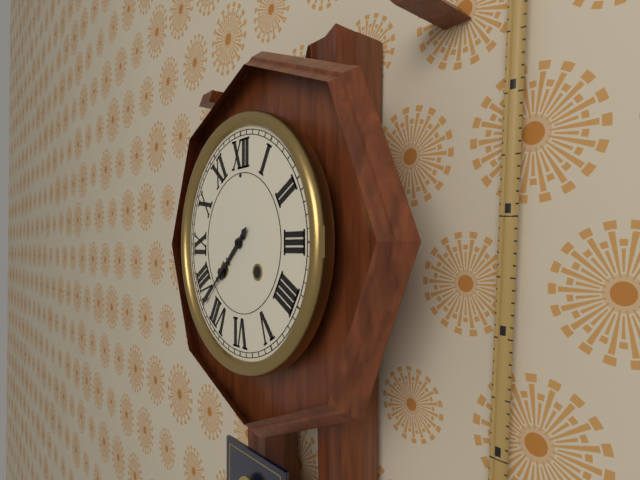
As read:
{"hour": 7, "minute": 38}
